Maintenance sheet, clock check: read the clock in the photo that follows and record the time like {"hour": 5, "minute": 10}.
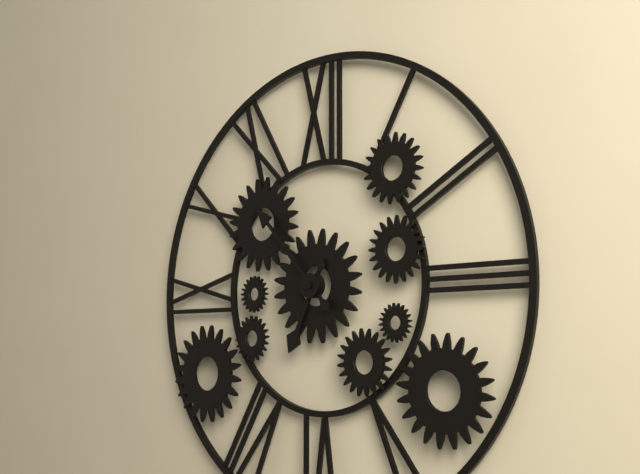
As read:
{"hour": 6, "minute": 53}
